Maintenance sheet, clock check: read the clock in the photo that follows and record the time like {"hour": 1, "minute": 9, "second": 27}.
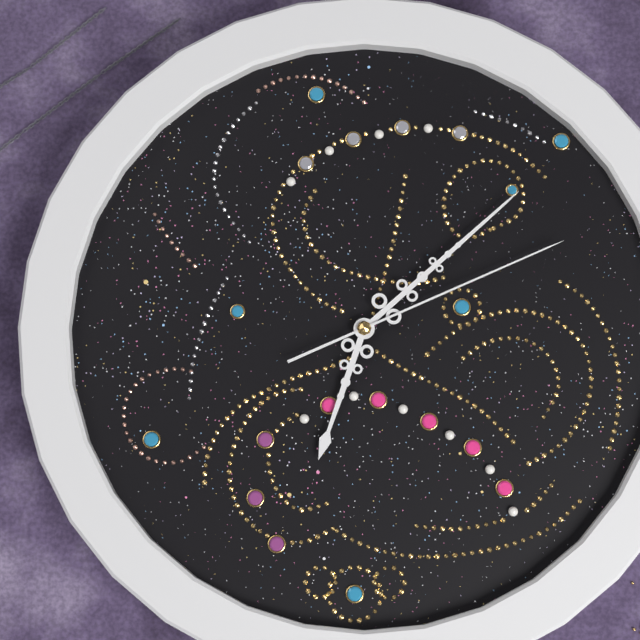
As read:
{"hour": 12, "minute": 38, "second": 41}
